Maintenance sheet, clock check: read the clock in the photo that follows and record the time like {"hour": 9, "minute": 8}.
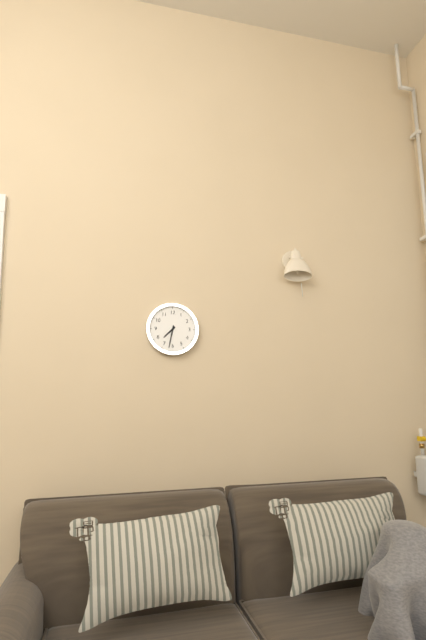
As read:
{"hour": 7, "minute": 32}
